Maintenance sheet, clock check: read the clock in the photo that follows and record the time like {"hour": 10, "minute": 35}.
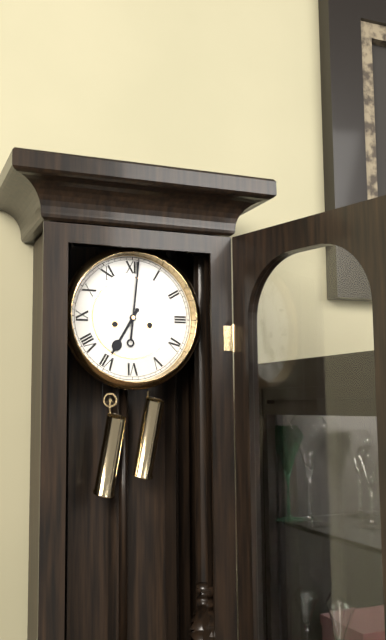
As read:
{"hour": 7, "minute": 1}
